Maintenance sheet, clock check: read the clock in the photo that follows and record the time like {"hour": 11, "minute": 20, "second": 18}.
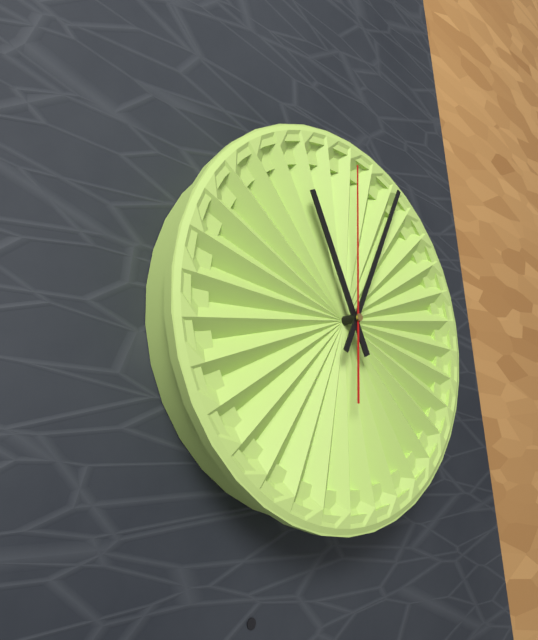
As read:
{"hour": 11, "minute": 4, "second": 0}
